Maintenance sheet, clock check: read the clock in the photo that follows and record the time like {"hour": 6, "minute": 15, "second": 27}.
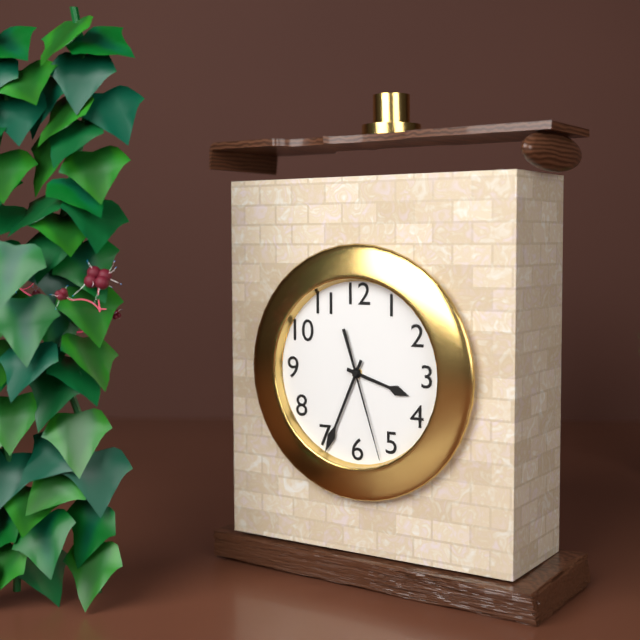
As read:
{"hour": 3, "minute": 34, "second": 27}
